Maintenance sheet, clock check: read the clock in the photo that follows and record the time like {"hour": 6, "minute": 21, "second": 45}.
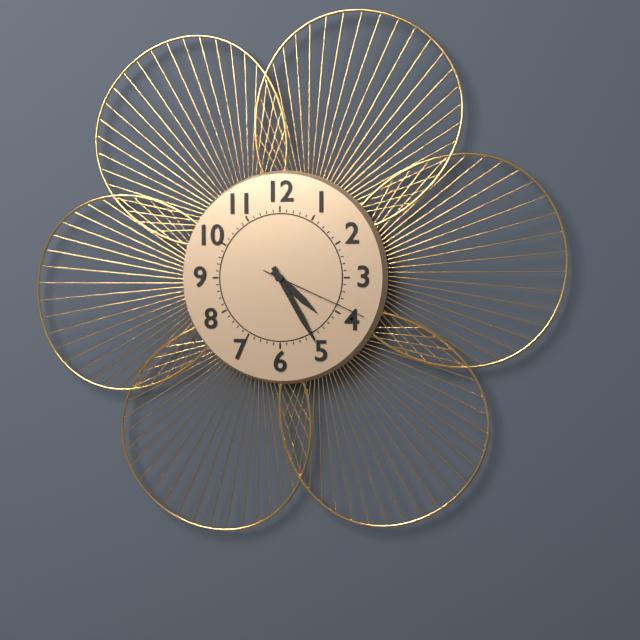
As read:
{"hour": 4, "minute": 25, "second": 19}
